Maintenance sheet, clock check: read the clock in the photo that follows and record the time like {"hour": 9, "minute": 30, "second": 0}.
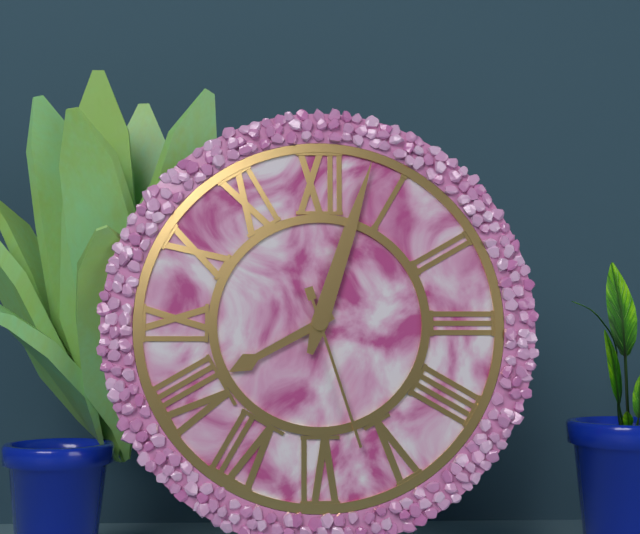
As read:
{"hour": 8, "minute": 3, "second": 27}
